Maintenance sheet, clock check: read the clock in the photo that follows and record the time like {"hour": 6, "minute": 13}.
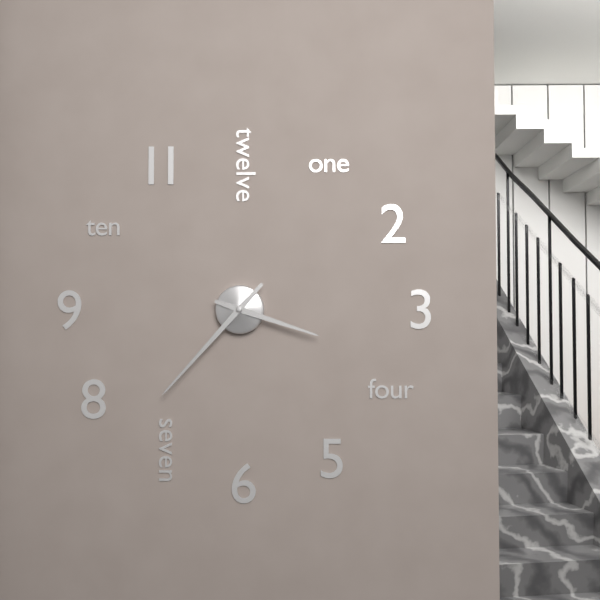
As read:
{"hour": 3, "minute": 37}
